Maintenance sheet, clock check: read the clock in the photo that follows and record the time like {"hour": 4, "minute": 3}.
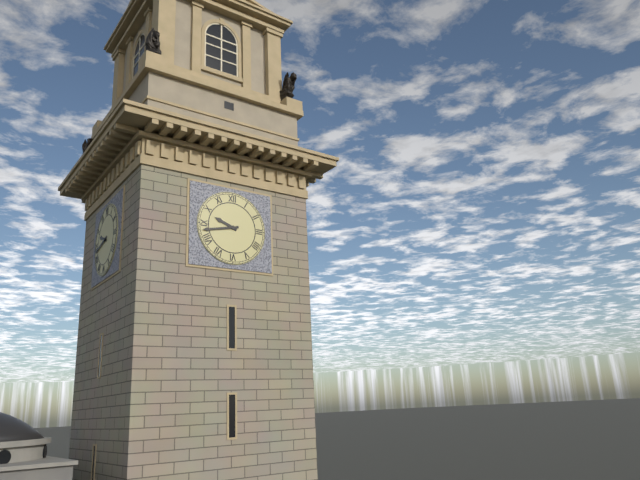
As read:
{"hour": 9, "minute": 43}
